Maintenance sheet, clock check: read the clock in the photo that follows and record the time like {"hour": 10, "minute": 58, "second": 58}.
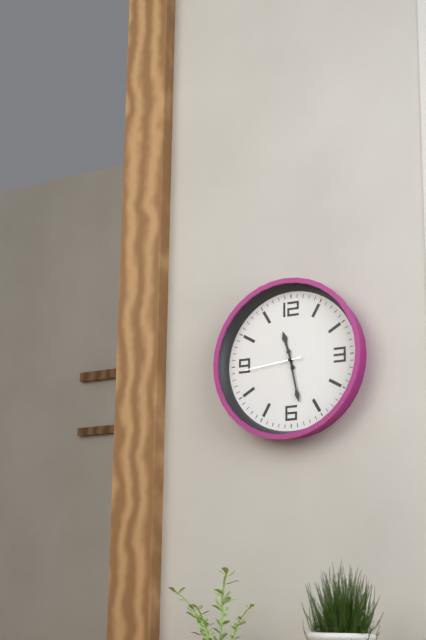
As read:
{"hour": 11, "minute": 28, "second": 44}
